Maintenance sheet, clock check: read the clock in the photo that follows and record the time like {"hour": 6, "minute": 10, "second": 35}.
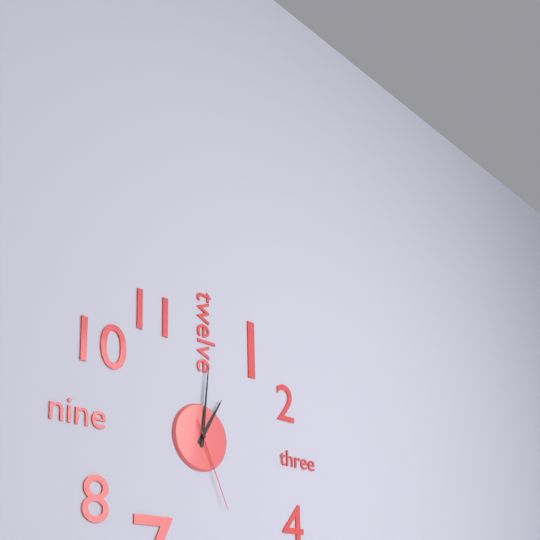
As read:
{"hour": 1, "minute": 1, "second": 26}
